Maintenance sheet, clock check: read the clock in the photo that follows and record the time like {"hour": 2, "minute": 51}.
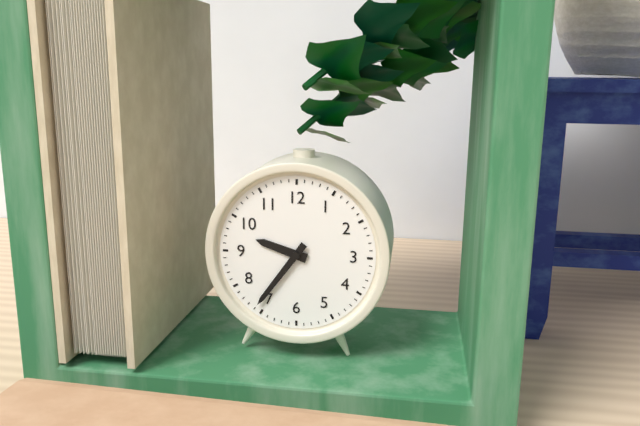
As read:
{"hour": 9, "minute": 36}
